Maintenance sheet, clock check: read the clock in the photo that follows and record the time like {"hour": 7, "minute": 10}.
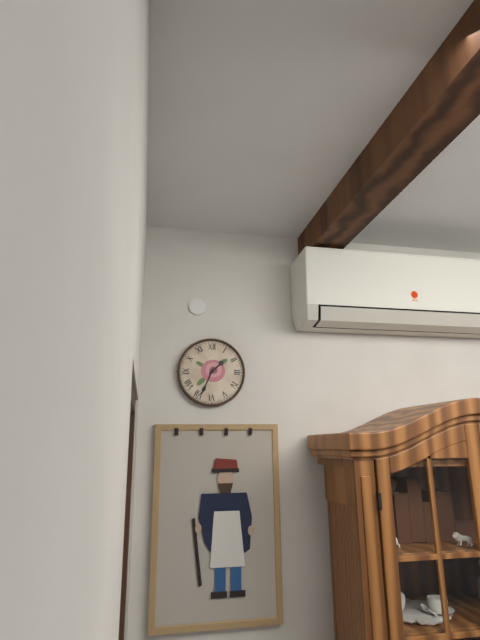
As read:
{"hour": 1, "minute": 34}
